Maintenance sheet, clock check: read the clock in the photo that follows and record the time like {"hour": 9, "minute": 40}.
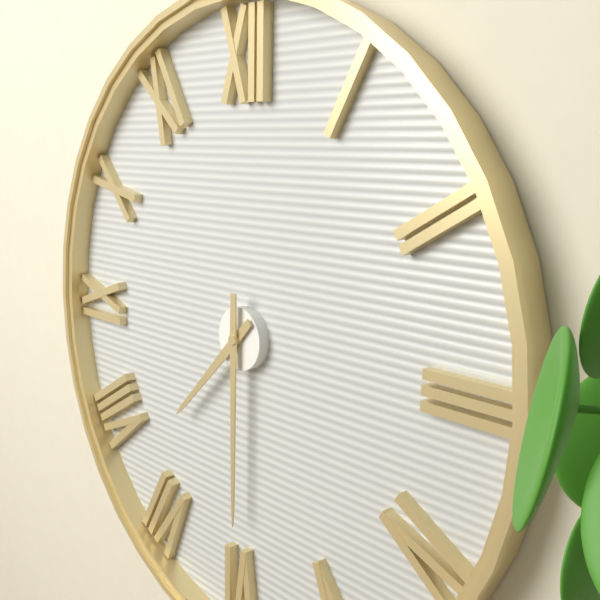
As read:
{"hour": 7, "minute": 30}
